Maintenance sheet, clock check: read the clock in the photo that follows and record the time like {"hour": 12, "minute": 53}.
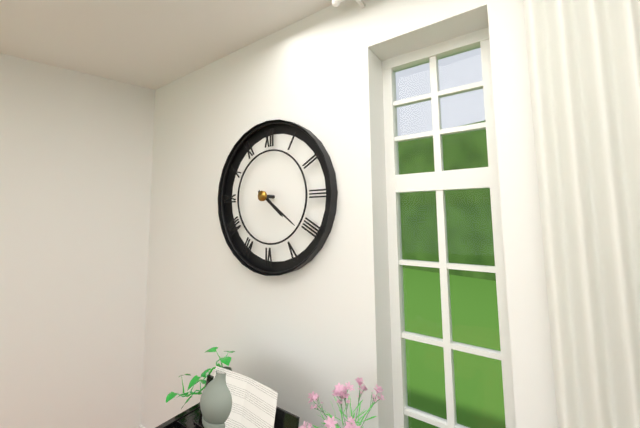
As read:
{"hour": 4, "minute": 21}
